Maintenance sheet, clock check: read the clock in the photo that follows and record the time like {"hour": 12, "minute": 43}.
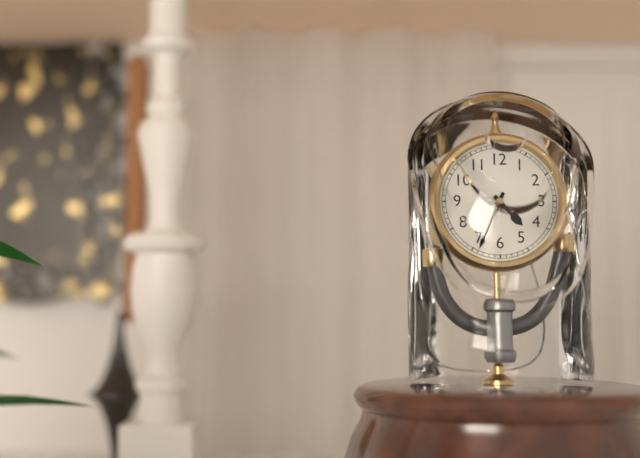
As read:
{"hour": 4, "minute": 34}
